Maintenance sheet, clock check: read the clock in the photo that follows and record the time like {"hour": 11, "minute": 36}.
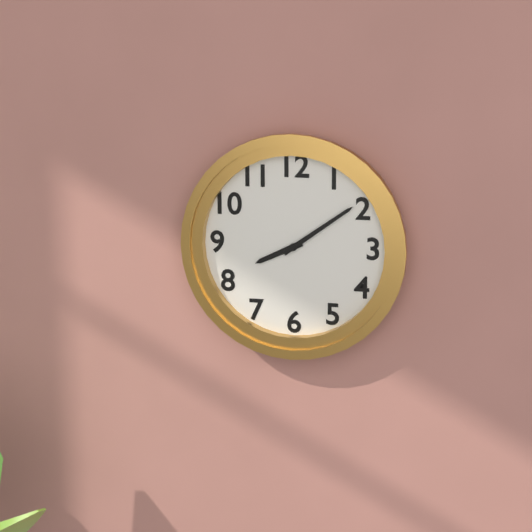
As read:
{"hour": 8, "minute": 9}
